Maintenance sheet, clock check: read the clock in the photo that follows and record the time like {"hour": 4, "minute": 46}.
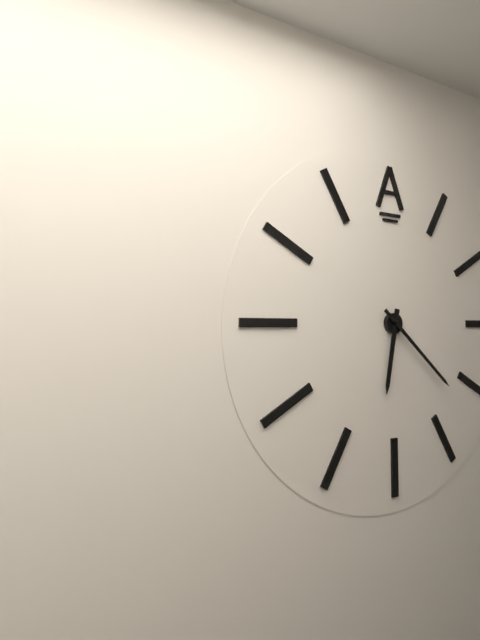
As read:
{"hour": 6, "minute": 22}
